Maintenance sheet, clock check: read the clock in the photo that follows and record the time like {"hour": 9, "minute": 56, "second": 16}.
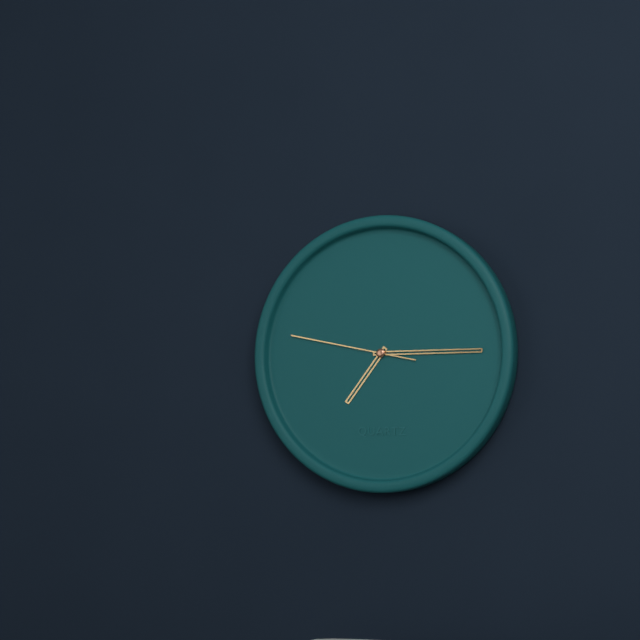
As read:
{"hour": 7, "minute": 15, "second": 47}
